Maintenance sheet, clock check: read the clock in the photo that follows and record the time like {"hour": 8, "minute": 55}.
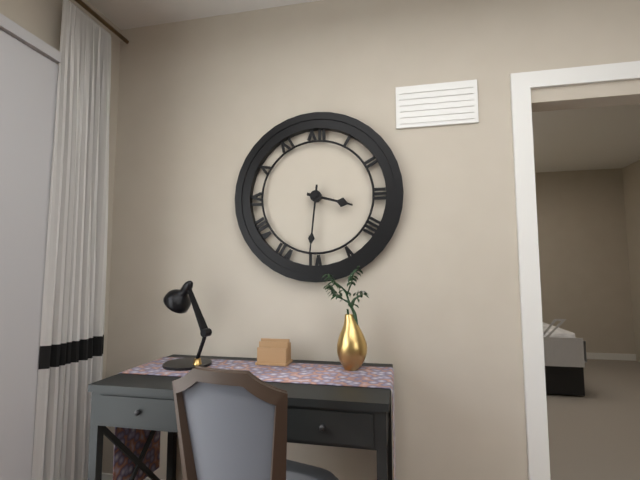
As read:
{"hour": 3, "minute": 31}
